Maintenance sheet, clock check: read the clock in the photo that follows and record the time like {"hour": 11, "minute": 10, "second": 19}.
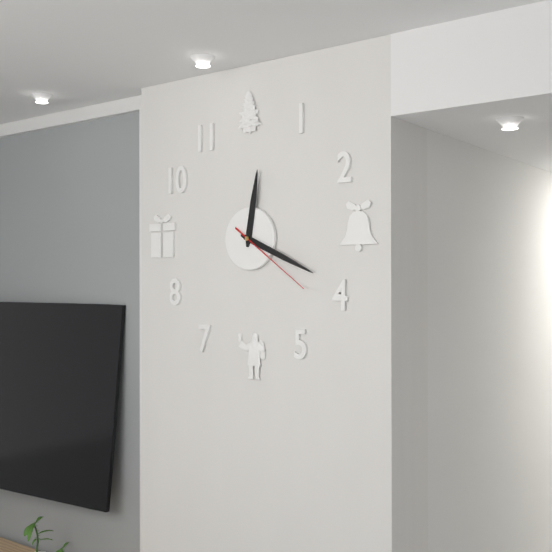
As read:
{"hour": 12, "minute": 19, "second": 21}
